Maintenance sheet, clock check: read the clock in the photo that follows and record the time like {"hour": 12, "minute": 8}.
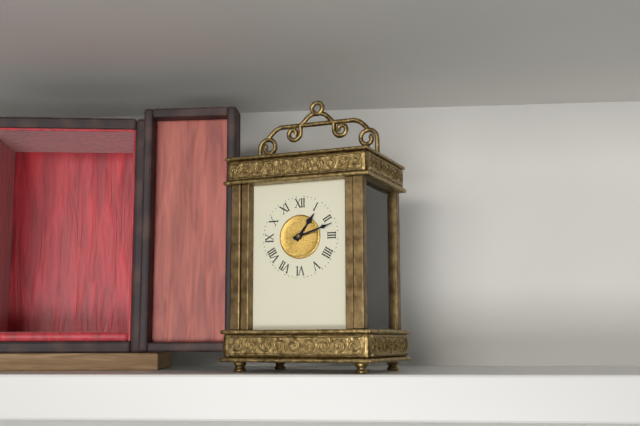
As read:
{"hour": 1, "minute": 12}
